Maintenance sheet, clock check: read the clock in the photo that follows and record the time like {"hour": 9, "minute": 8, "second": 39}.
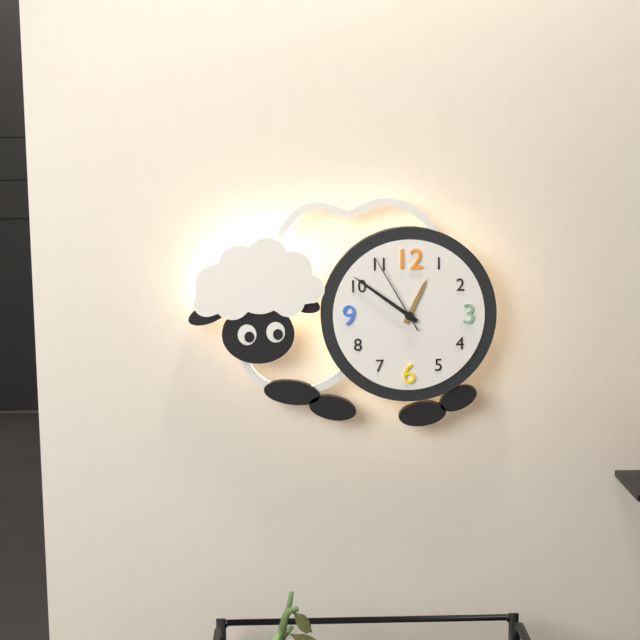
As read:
{"hour": 12, "minute": 51, "second": 55}
